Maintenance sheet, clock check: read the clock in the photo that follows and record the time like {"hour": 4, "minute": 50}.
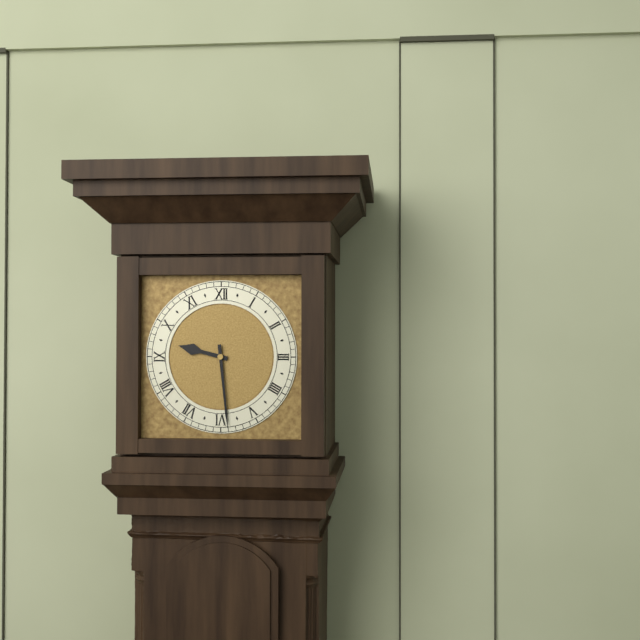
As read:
{"hour": 9, "minute": 29}
